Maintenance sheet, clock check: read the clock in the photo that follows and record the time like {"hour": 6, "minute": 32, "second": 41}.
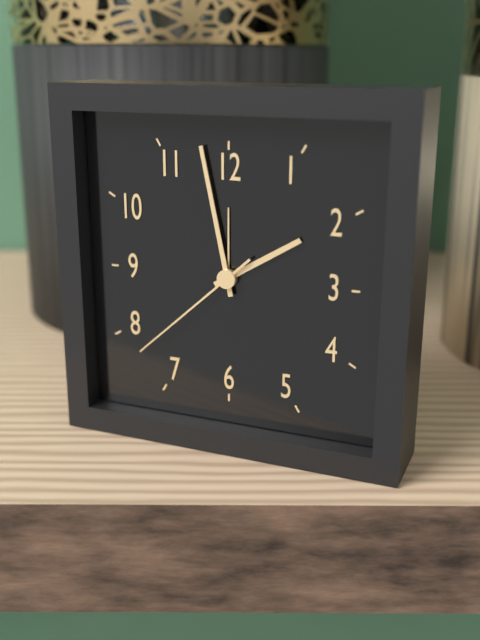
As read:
{"hour": 1, "minute": 58, "second": 38}
